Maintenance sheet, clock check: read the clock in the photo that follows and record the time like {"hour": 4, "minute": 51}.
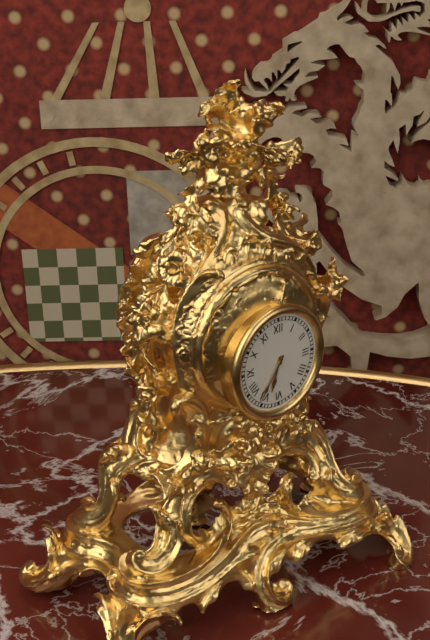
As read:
{"hour": 6, "minute": 36}
